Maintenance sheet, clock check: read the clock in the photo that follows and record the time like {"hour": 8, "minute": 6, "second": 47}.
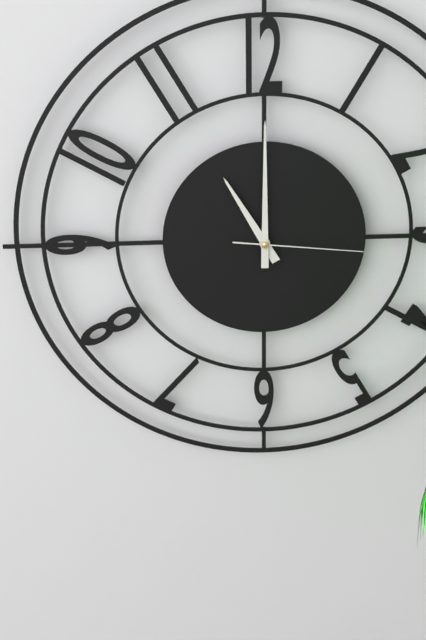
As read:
{"hour": 11, "minute": 0, "second": 16}
